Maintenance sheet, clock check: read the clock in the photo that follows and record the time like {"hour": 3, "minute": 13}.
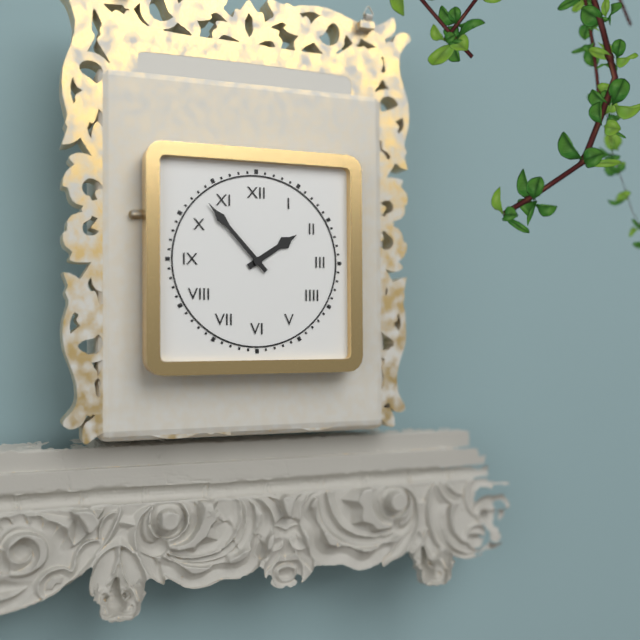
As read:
{"hour": 1, "minute": 53}
